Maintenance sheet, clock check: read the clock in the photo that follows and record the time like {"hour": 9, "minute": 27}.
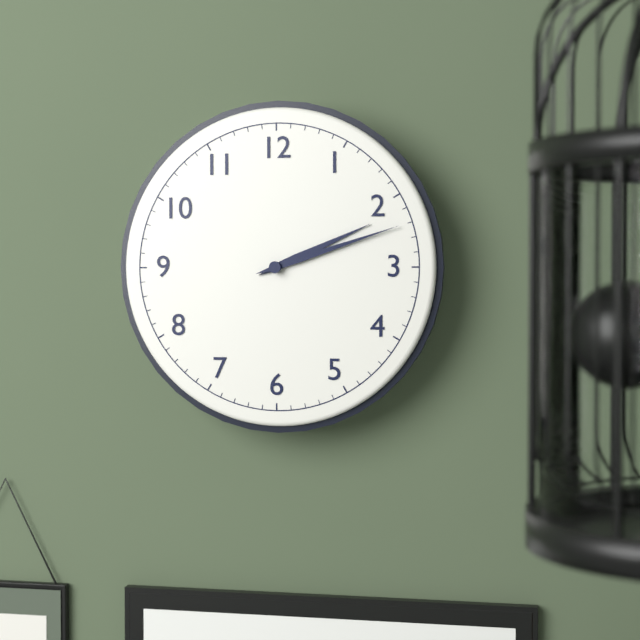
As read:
{"hour": 2, "minute": 12}
